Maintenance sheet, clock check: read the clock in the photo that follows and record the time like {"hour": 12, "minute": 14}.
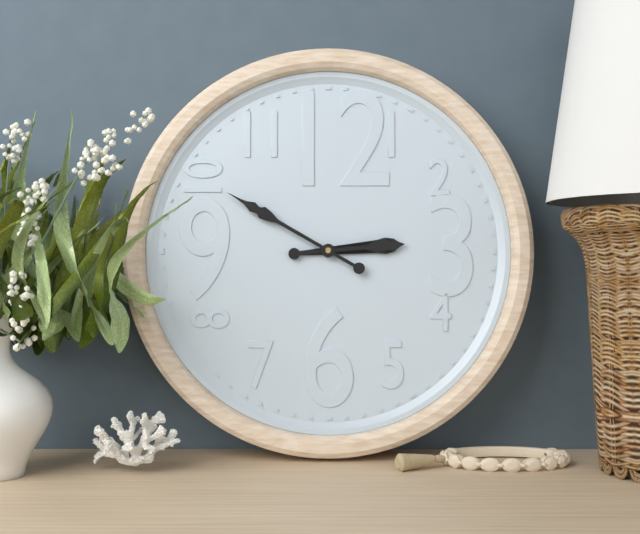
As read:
{"hour": 2, "minute": 50}
